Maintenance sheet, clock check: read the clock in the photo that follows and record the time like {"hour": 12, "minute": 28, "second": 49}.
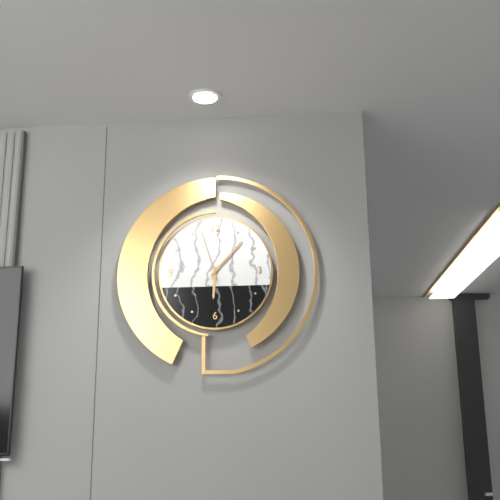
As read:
{"hour": 6, "minute": 7, "second": 57}
